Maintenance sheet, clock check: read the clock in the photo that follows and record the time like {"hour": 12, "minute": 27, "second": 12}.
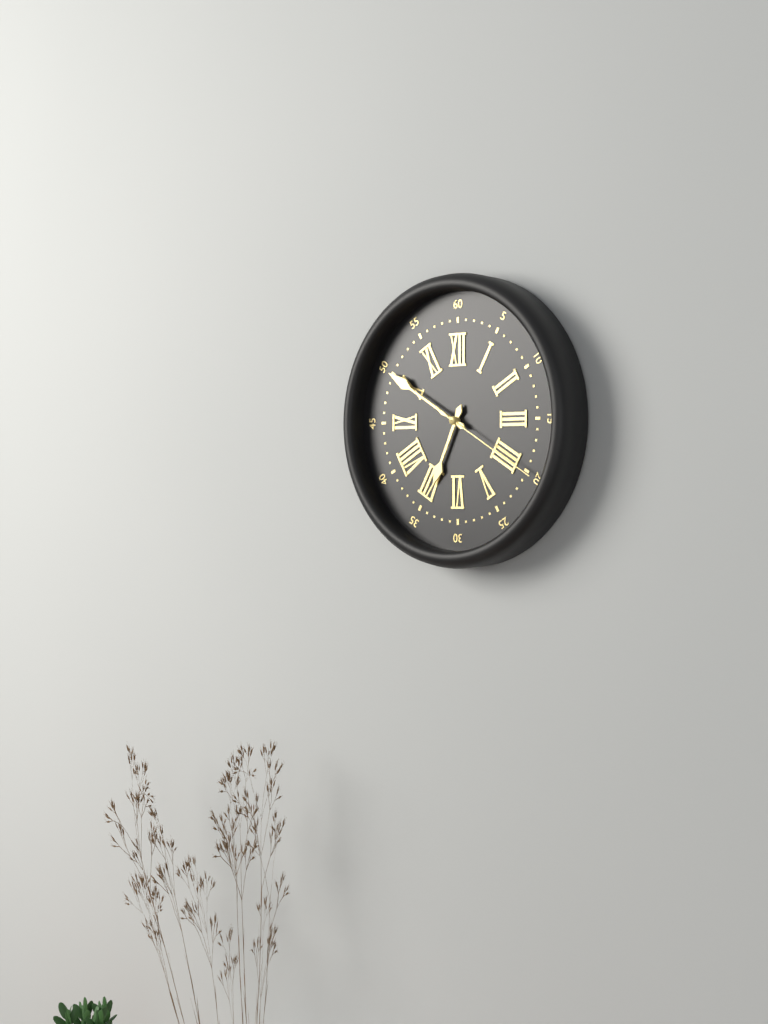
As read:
{"hour": 6, "minute": 50, "second": 20}
